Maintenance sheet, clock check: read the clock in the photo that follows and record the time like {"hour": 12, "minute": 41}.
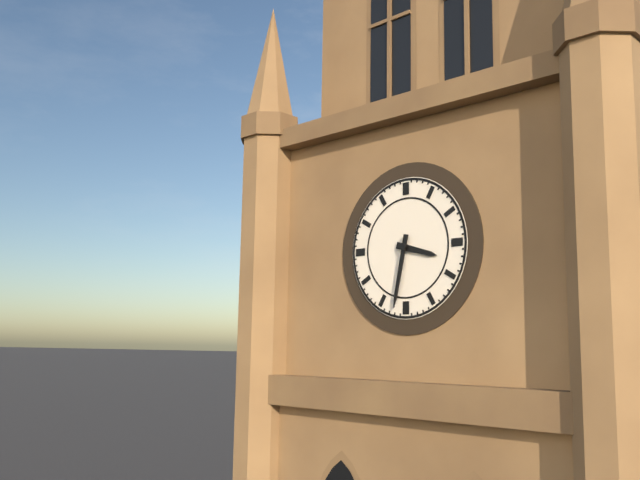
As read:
{"hour": 3, "minute": 32}
